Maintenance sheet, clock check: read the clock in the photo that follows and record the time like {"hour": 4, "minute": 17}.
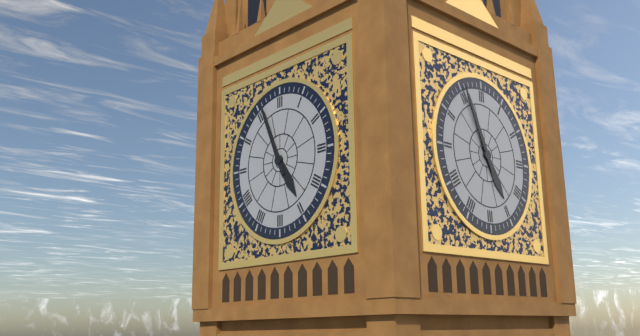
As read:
{"hour": 4, "minute": 56}
